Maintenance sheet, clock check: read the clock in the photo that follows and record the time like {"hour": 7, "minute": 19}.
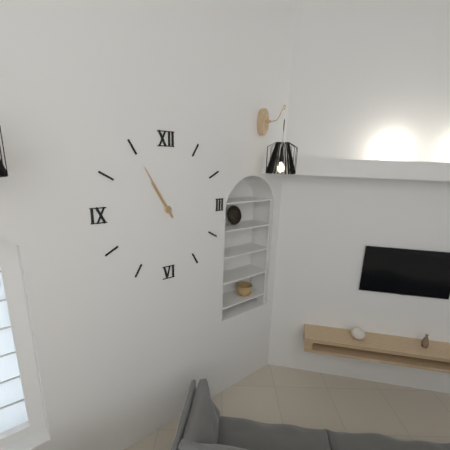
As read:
{"hour": 10, "minute": 55}
